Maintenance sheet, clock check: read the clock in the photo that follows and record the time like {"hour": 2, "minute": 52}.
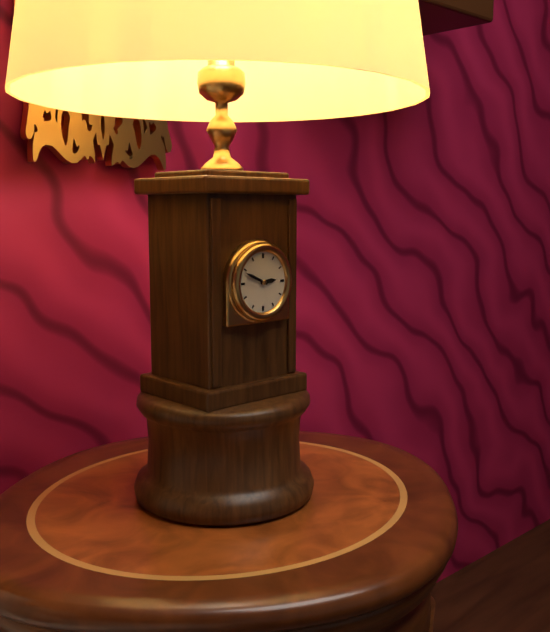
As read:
{"hour": 2, "minute": 49}
